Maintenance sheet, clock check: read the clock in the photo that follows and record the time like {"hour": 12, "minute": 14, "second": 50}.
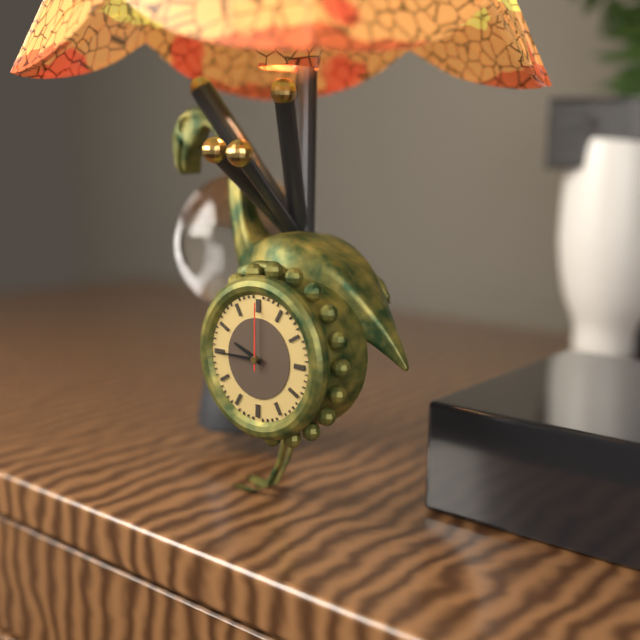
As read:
{"hour": 9, "minute": 45, "second": 0}
